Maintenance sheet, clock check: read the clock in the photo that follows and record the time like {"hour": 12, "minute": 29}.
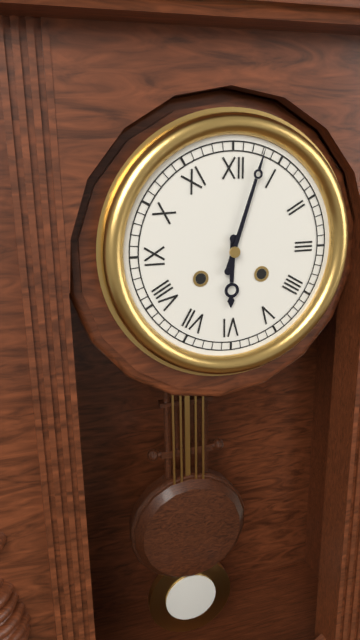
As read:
{"hour": 6, "minute": 3}
